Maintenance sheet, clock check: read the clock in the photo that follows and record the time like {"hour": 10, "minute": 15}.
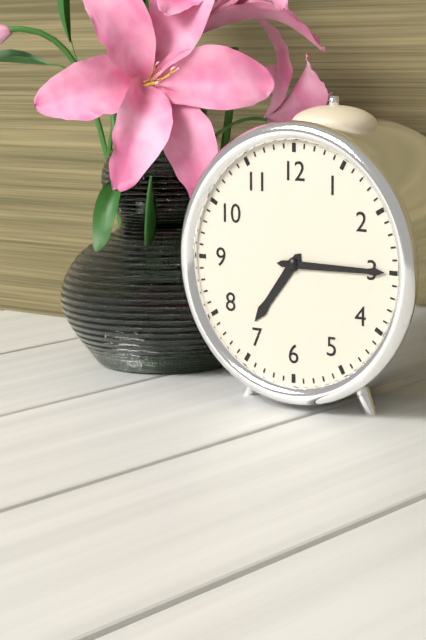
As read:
{"hour": 7, "minute": 15}
